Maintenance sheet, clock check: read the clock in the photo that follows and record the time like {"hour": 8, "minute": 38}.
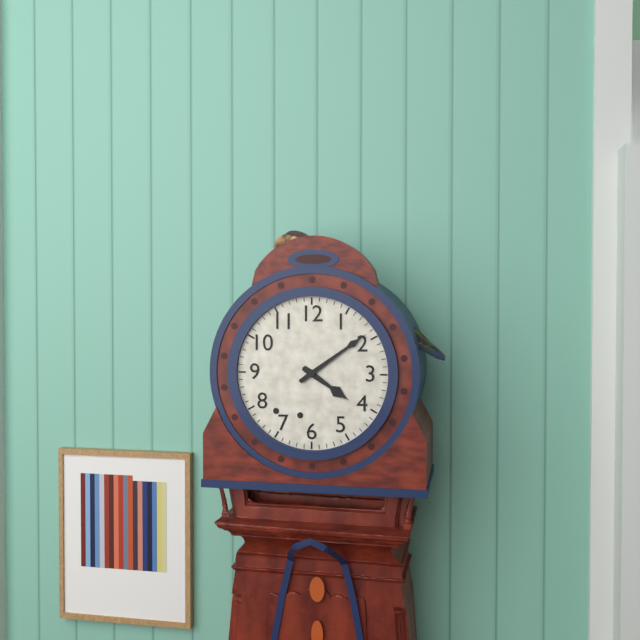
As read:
{"hour": 4, "minute": 9}
